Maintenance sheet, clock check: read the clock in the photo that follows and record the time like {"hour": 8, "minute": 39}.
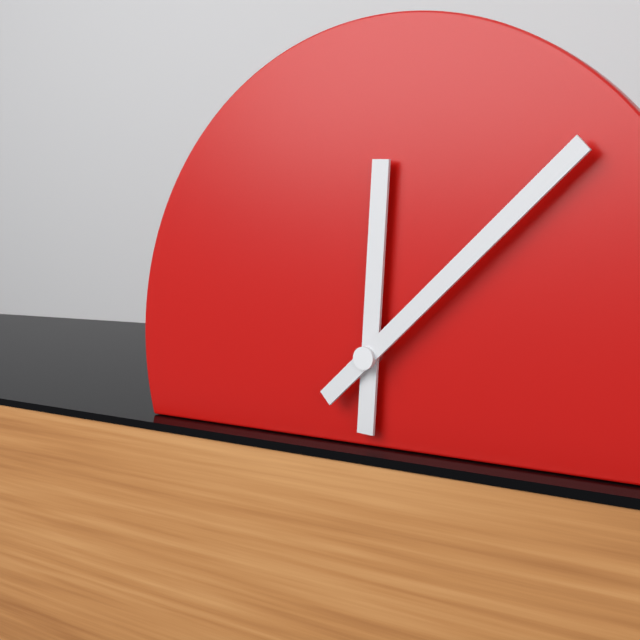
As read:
{"hour": 12, "minute": 8}
